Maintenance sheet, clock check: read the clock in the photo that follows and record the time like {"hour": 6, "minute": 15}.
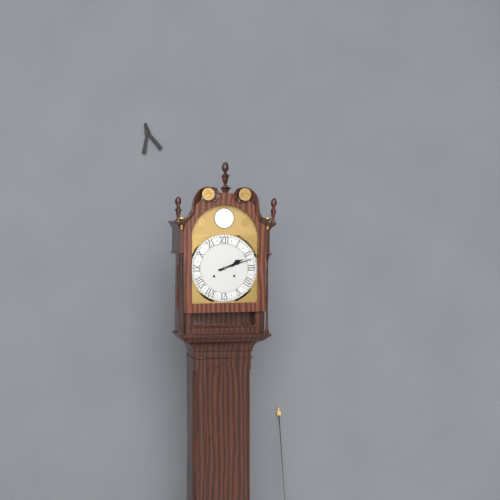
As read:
{"hour": 2, "minute": 12}
